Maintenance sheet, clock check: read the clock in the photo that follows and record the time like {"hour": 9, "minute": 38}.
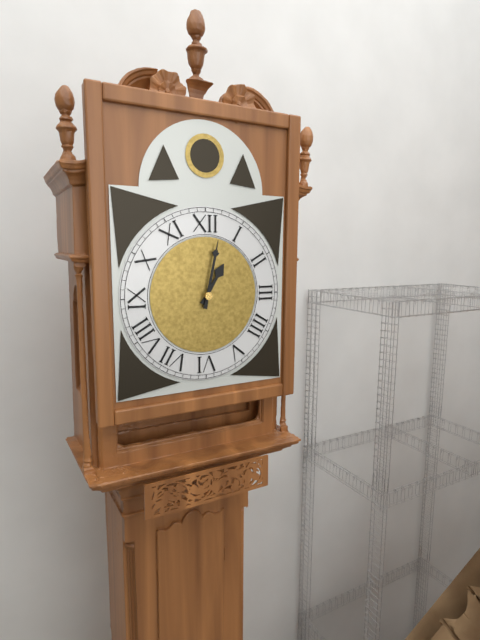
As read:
{"hour": 1, "minute": 2}
